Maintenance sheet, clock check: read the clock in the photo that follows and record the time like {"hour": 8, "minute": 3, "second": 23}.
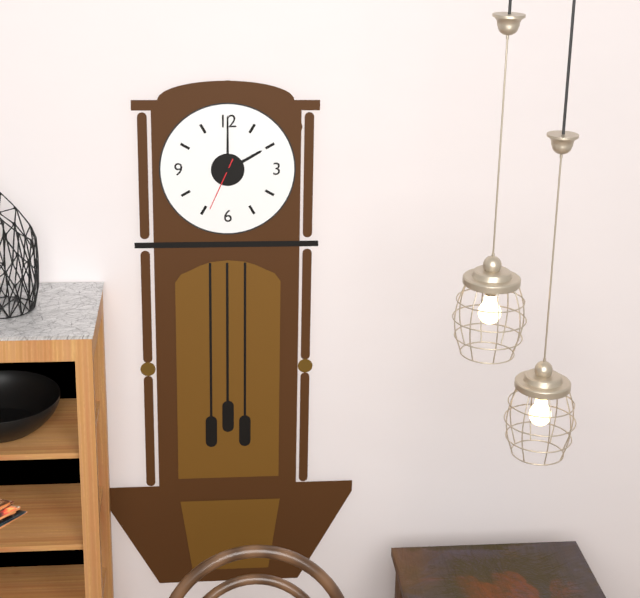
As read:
{"hour": 2, "minute": 0, "second": 34}
